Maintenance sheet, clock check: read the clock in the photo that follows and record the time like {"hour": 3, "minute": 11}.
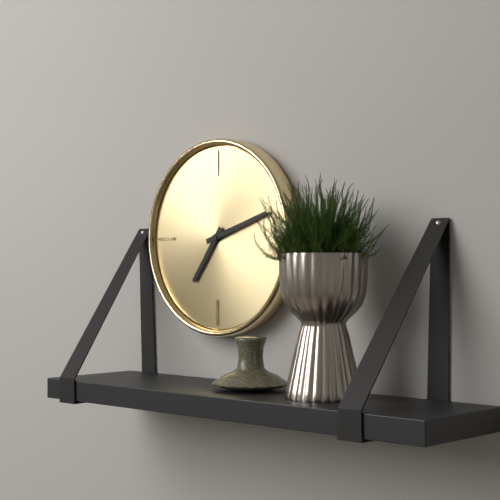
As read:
{"hour": 7, "minute": 12}
